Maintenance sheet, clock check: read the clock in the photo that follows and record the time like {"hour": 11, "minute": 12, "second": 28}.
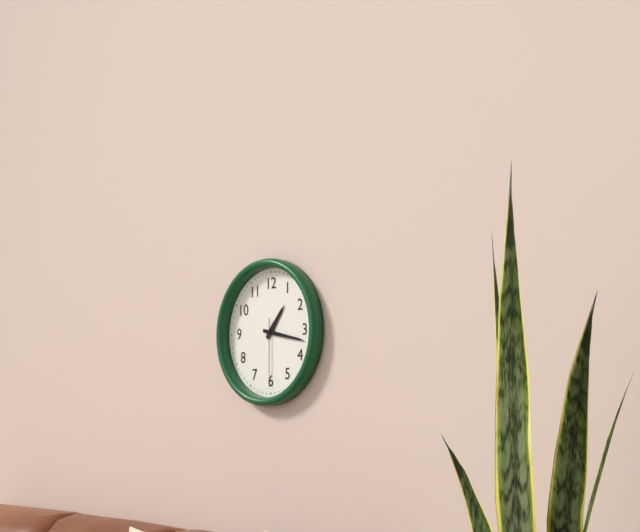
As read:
{"hour": 1, "minute": 17, "second": 30}
